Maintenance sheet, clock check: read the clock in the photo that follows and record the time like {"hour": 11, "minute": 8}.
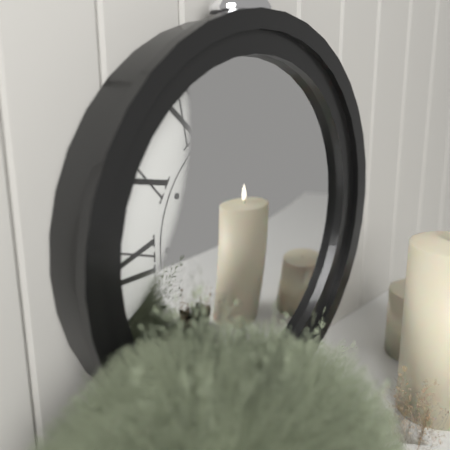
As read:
{"hour": 3, "minute": 21}
